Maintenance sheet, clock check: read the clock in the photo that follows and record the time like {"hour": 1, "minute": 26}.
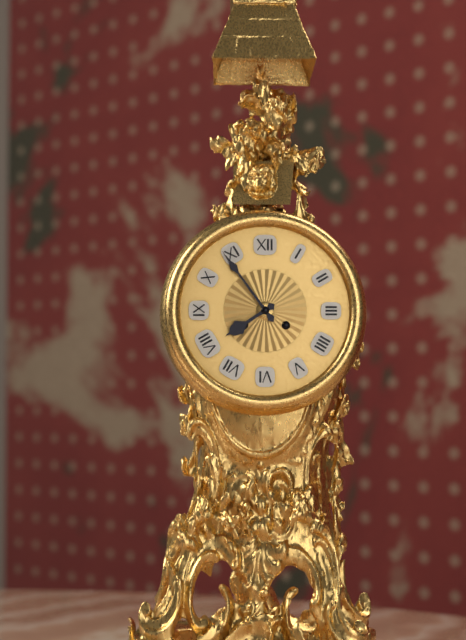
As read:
{"hour": 7, "minute": 54}
